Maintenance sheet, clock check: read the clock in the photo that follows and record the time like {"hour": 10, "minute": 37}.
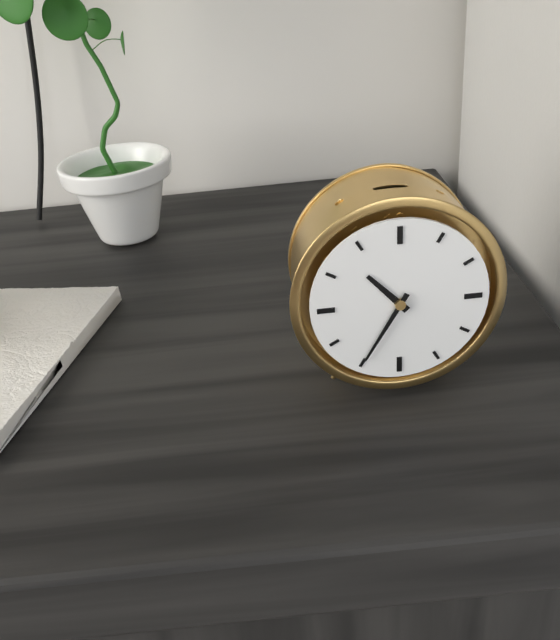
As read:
{"hour": 10, "minute": 35}
